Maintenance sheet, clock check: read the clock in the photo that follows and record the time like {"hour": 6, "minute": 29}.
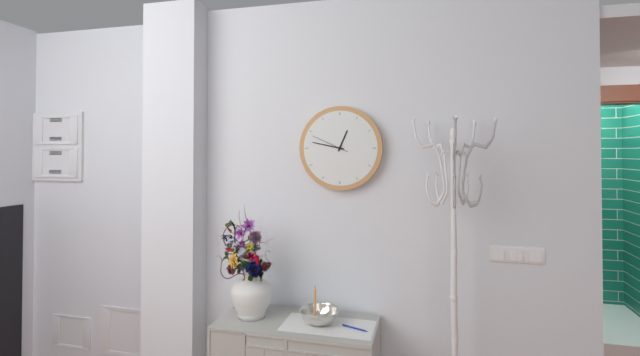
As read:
{"hour": 12, "minute": 47}
